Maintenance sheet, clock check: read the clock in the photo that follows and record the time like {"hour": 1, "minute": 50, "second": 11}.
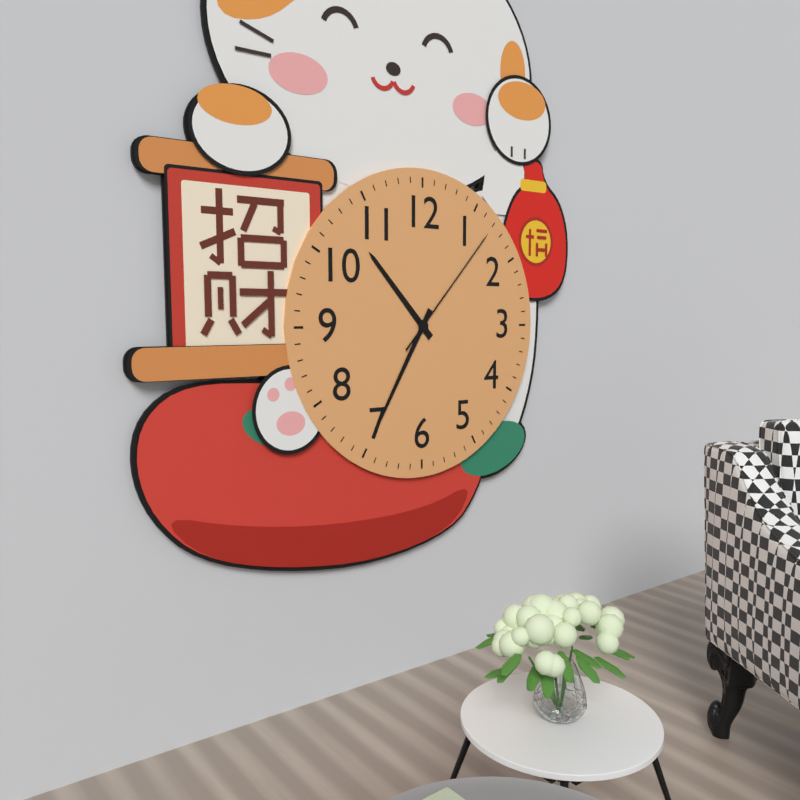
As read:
{"hour": 10, "minute": 35, "second": 7}
